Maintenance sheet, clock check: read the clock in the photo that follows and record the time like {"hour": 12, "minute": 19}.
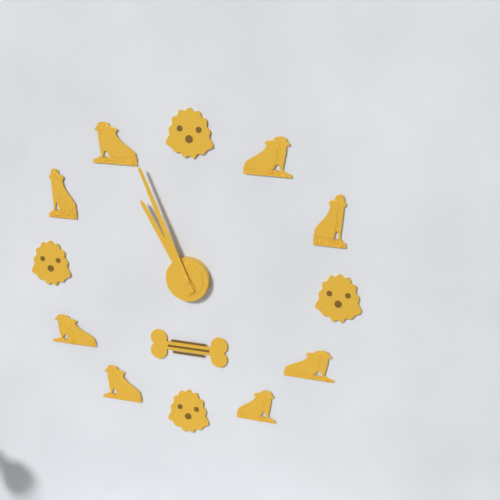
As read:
{"hour": 10, "minute": 56}
